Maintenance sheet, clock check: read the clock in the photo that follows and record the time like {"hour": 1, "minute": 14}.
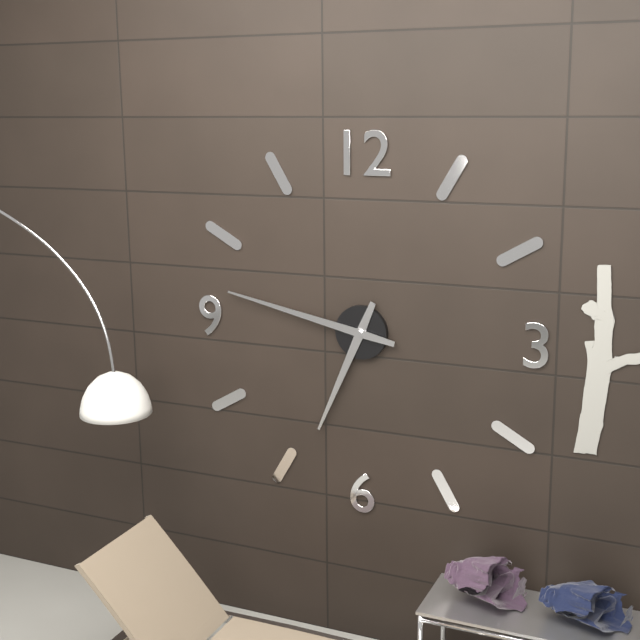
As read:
{"hour": 6, "minute": 47}
